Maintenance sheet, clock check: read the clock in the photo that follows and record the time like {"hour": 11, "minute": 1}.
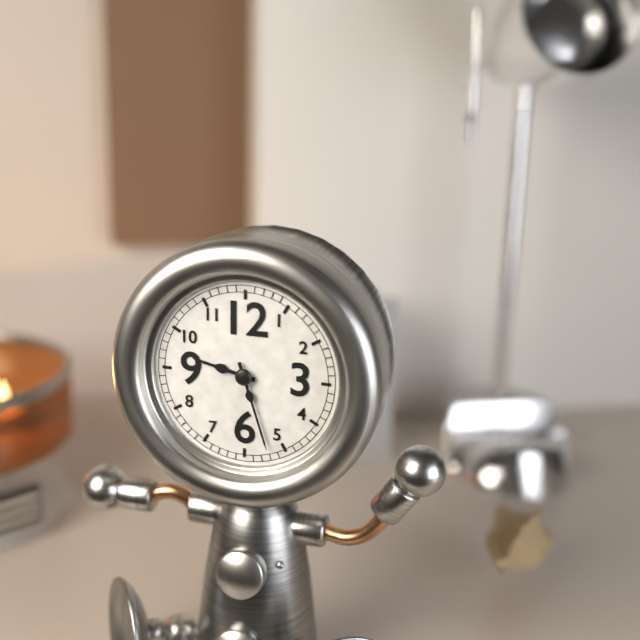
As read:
{"hour": 9, "minute": 27}
